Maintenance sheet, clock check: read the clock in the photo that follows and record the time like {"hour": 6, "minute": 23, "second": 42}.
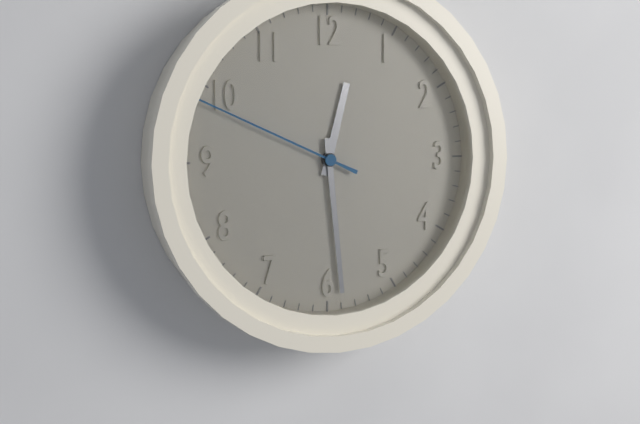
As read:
{"hour": 12, "minute": 29, "second": 49}
